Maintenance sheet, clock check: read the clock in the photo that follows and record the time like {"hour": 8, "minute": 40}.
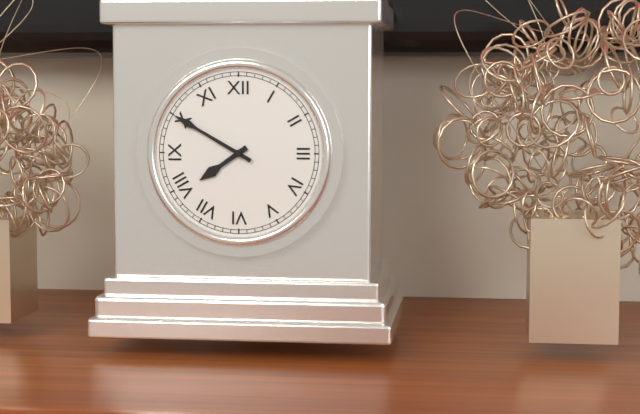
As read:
{"hour": 7, "minute": 50}
